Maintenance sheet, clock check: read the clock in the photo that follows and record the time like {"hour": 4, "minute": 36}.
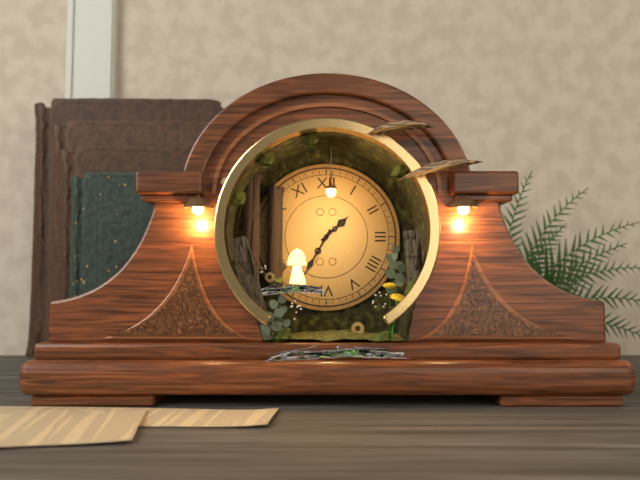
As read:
{"hour": 1, "minute": 35}
